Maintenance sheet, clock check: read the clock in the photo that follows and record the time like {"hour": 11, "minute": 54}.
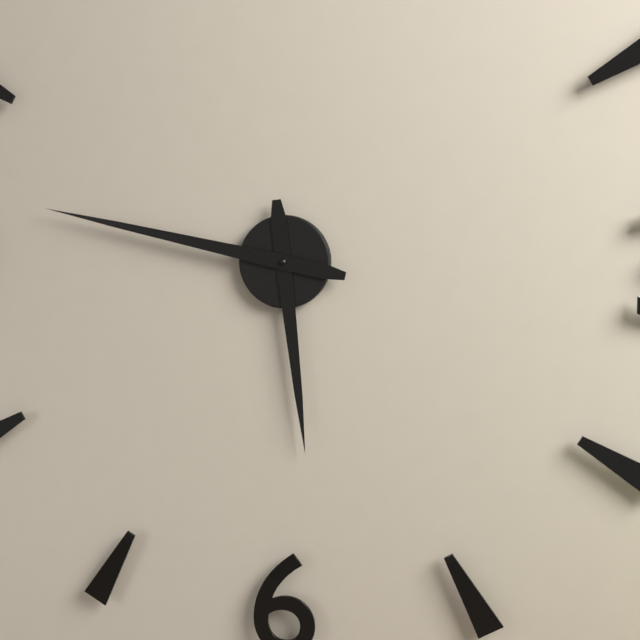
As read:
{"hour": 5, "minute": 47}
